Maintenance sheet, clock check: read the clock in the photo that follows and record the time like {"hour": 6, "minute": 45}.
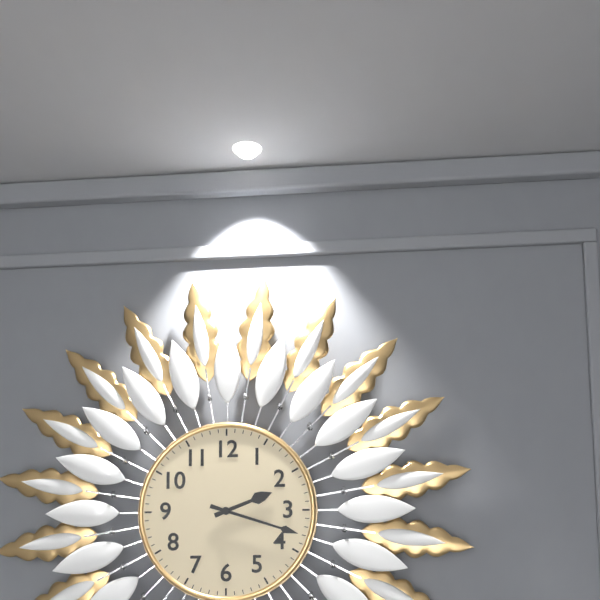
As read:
{"hour": 2, "minute": 18}
